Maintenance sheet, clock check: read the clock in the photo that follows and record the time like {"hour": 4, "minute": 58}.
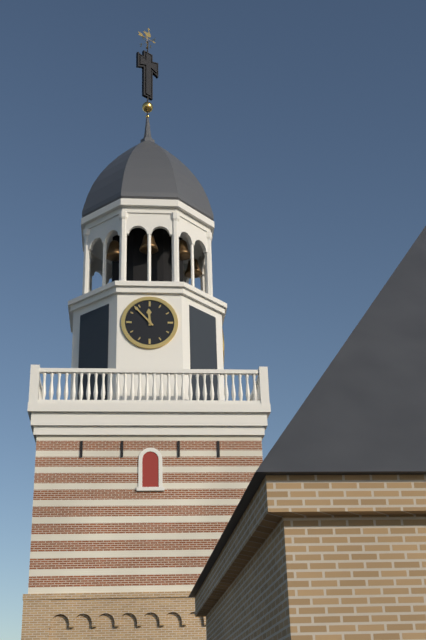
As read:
{"hour": 11, "minute": 53}
